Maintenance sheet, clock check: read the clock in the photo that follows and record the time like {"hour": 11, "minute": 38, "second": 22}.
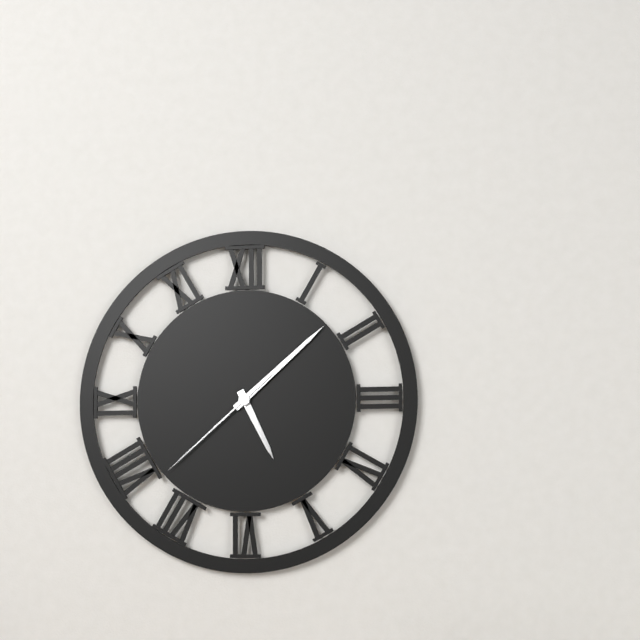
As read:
{"hour": 5, "minute": 8, "second": 38}
